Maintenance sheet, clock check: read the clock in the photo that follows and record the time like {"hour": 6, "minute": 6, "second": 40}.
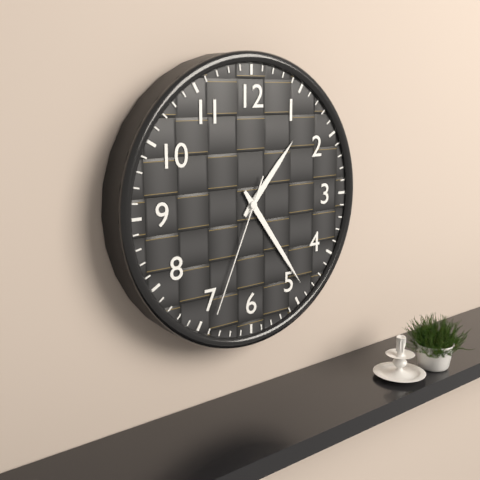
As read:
{"hour": 1, "minute": 24, "second": 34}
